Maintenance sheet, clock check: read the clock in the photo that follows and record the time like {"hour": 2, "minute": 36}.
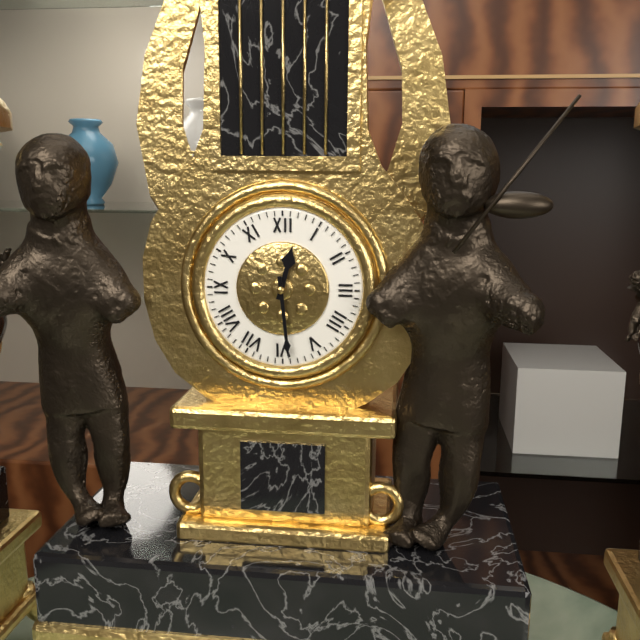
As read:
{"hour": 12, "minute": 29}
